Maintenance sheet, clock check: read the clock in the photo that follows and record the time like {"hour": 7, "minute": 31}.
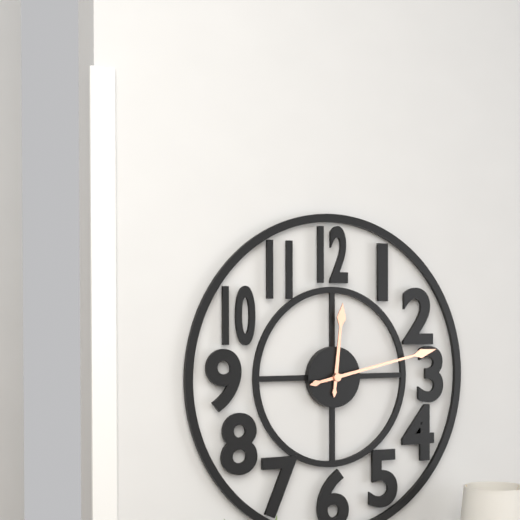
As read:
{"hour": 12, "minute": 13}
